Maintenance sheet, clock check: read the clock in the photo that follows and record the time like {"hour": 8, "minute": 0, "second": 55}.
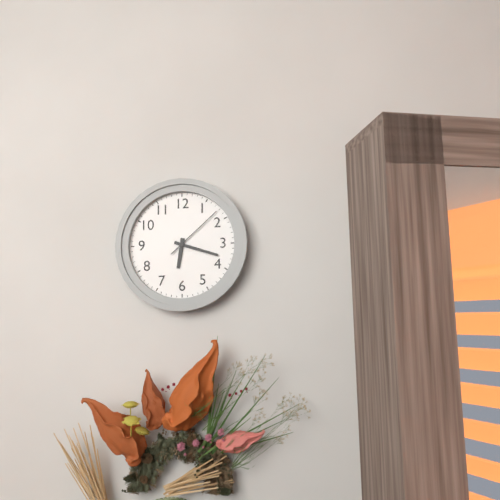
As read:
{"hour": 6, "minute": 18, "second": 8}
